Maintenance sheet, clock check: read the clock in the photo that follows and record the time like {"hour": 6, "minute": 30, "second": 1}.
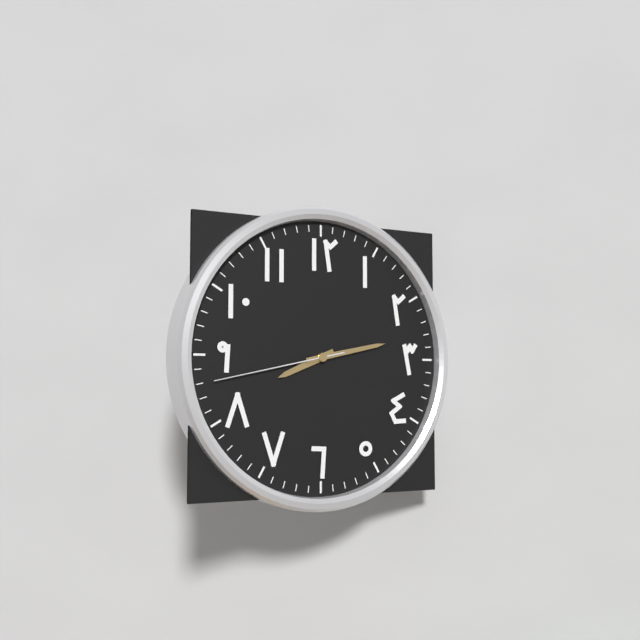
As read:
{"hour": 8, "minute": 13, "second": 43}
